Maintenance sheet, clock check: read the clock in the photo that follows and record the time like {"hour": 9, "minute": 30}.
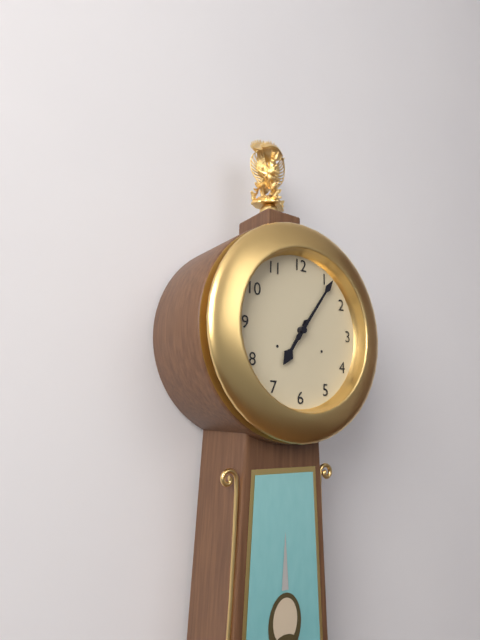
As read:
{"hour": 7, "minute": 6}
